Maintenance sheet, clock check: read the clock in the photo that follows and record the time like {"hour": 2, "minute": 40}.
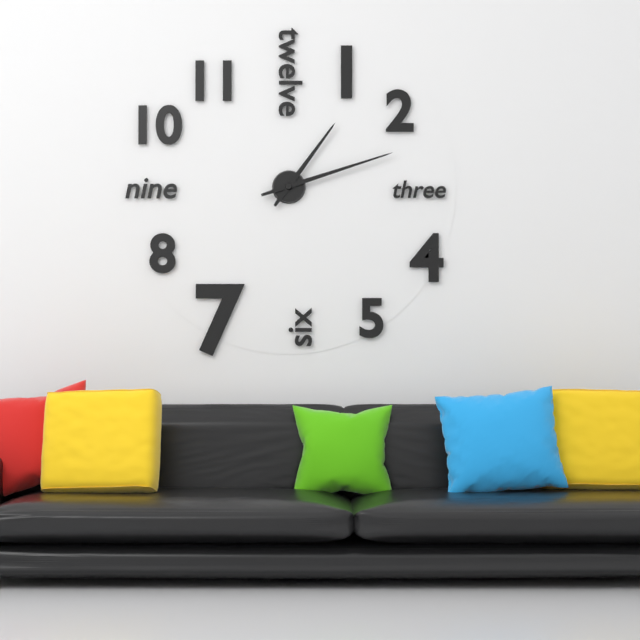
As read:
{"hour": 1, "minute": 12}
